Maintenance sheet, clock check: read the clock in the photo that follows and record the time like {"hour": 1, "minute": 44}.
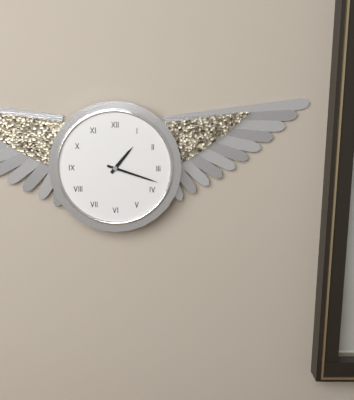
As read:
{"hour": 1, "minute": 18}
